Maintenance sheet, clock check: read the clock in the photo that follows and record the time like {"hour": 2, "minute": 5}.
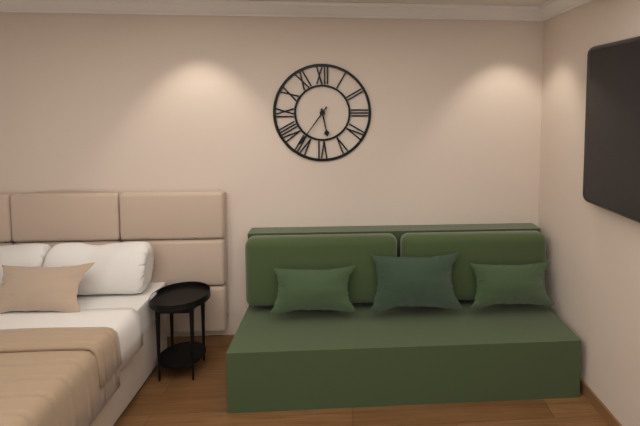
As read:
{"hour": 5, "minute": 36}
